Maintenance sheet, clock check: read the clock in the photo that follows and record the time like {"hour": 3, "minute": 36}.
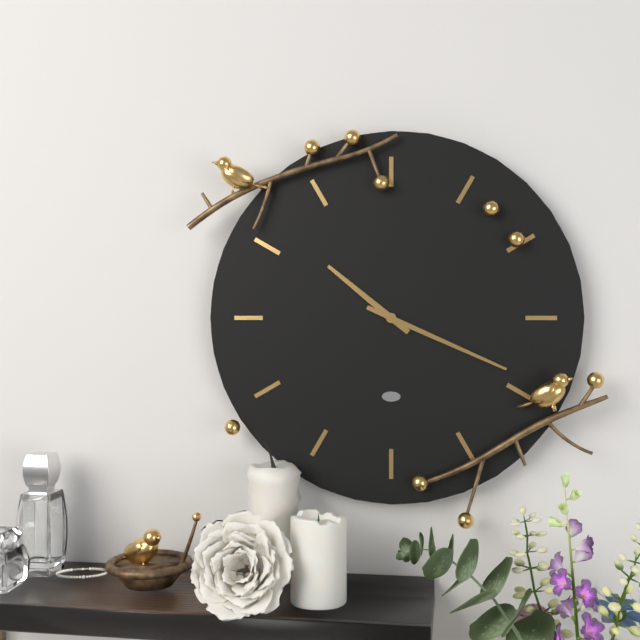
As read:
{"hour": 10, "minute": 19}
